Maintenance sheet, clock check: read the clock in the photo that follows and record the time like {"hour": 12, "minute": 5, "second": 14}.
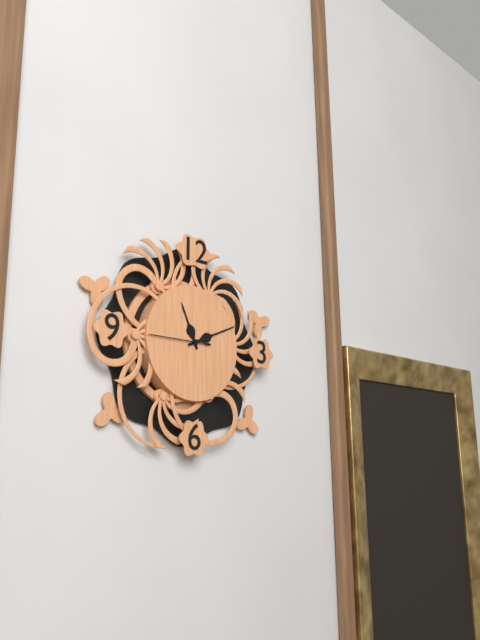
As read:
{"hour": 11, "minute": 11, "second": 45}
